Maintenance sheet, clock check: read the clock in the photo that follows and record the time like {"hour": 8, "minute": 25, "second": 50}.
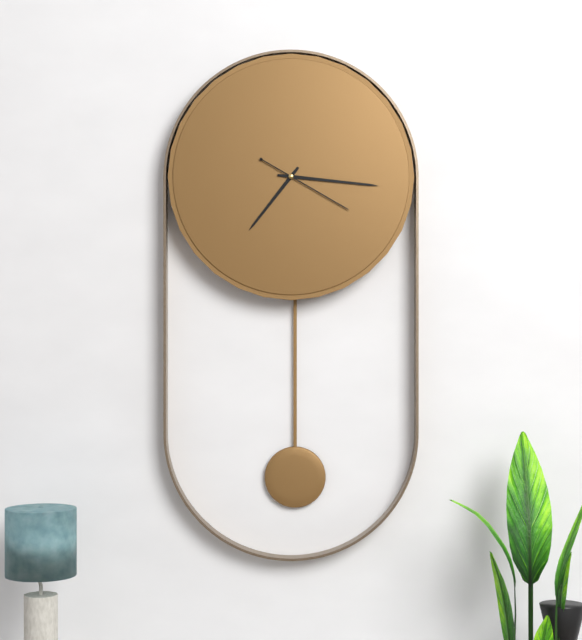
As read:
{"hour": 7, "minute": 16, "second": 20}
